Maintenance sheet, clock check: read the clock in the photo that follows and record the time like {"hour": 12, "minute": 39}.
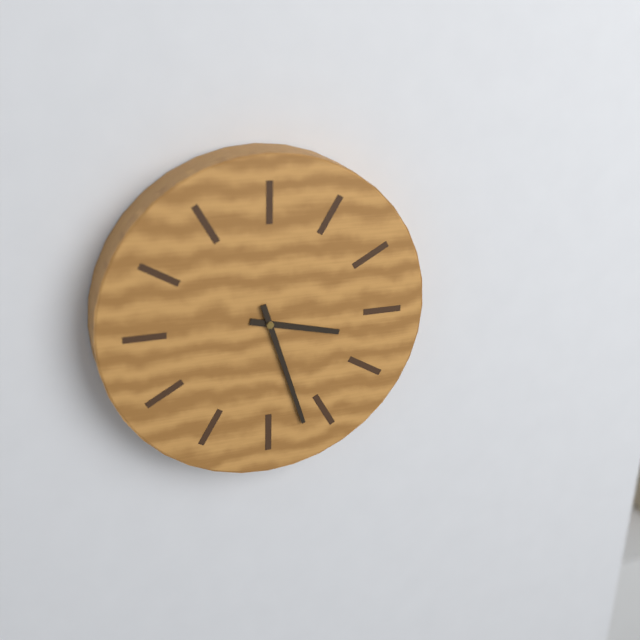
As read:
{"hour": 3, "minute": 27}
